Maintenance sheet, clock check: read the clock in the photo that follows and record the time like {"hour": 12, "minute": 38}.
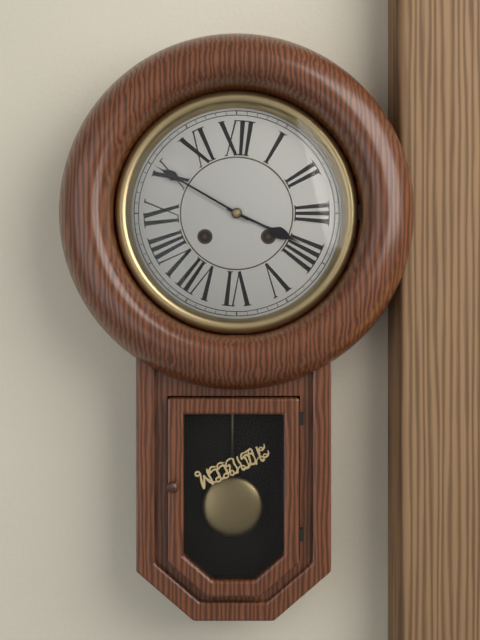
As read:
{"hour": 3, "minute": 50}
